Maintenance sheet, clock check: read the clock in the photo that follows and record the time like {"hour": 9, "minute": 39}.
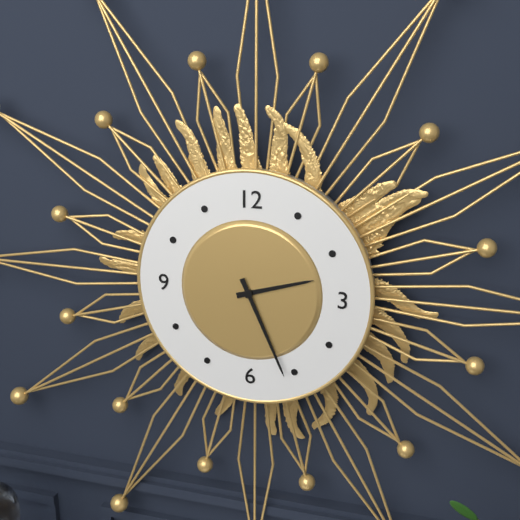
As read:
{"hour": 2, "minute": 26}
